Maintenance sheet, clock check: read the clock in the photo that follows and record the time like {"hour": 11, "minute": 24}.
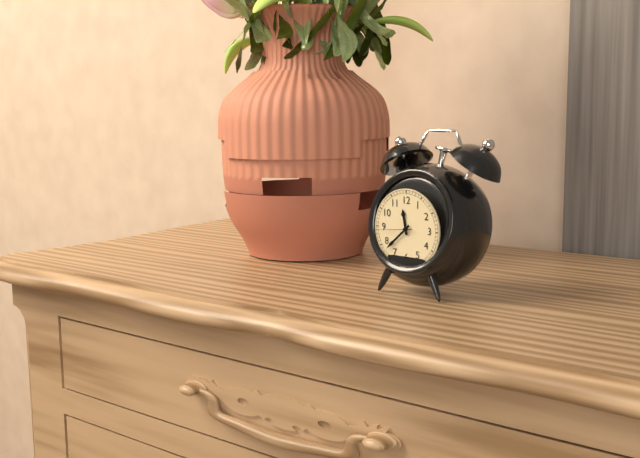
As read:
{"hour": 11, "minute": 38}
